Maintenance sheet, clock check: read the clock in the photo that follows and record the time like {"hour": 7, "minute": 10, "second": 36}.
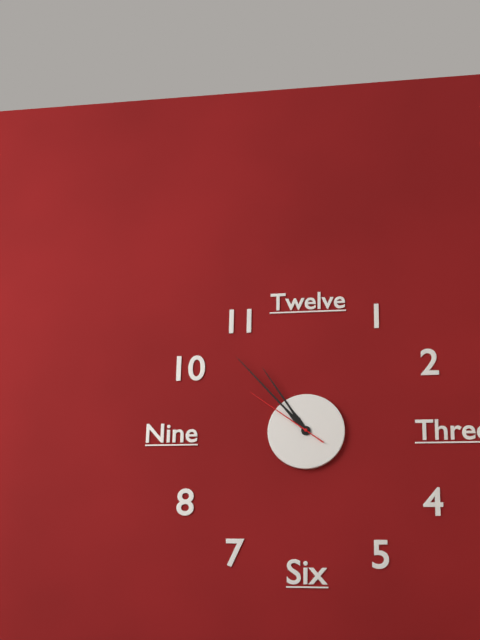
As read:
{"hour": 10, "minute": 53, "second": 51}
